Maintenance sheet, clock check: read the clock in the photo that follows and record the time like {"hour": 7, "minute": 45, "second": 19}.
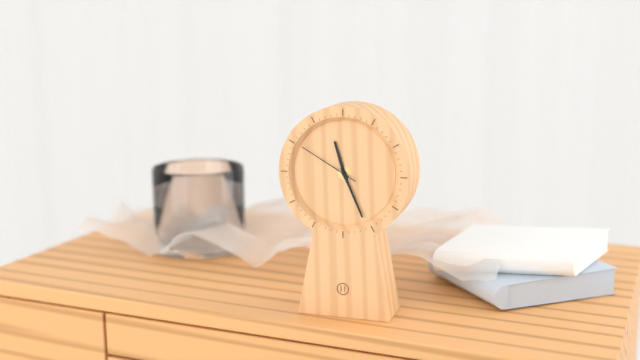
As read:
{"hour": 11, "minute": 26, "second": 50}
